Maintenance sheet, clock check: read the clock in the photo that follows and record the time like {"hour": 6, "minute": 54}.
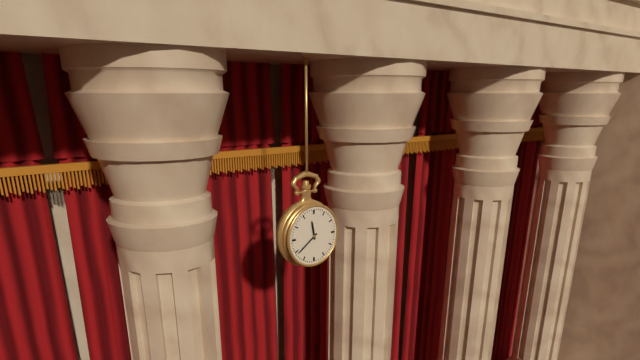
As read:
{"hour": 11, "minute": 39}
